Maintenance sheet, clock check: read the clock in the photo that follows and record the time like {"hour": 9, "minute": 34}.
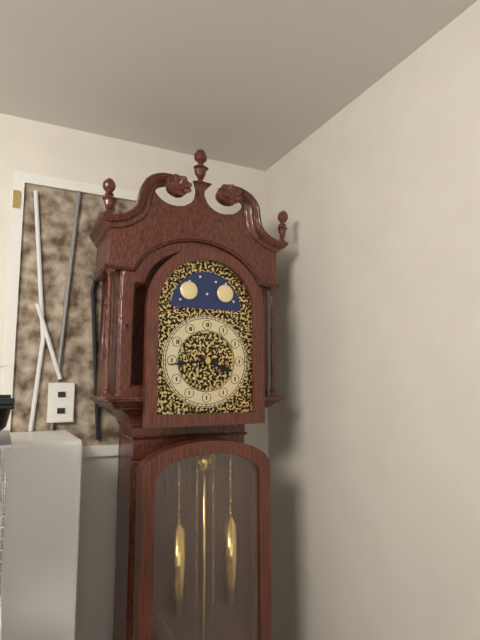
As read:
{"hour": 3, "minute": 44}
